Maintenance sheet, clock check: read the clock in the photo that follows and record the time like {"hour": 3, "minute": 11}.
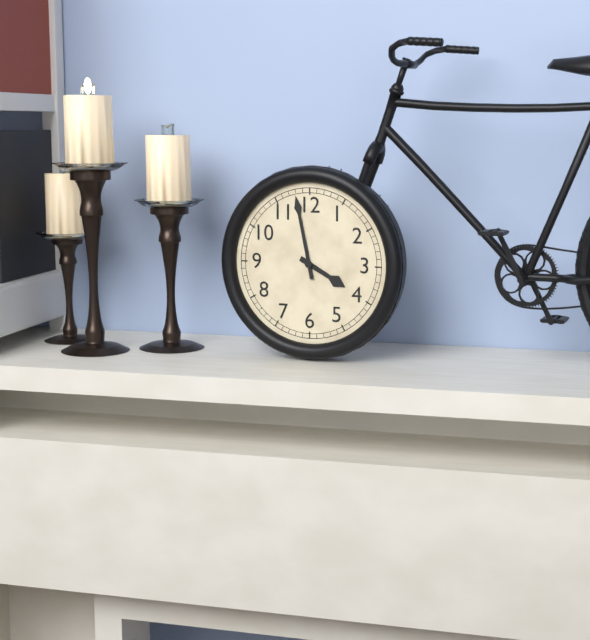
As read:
{"hour": 3, "minute": 58}
